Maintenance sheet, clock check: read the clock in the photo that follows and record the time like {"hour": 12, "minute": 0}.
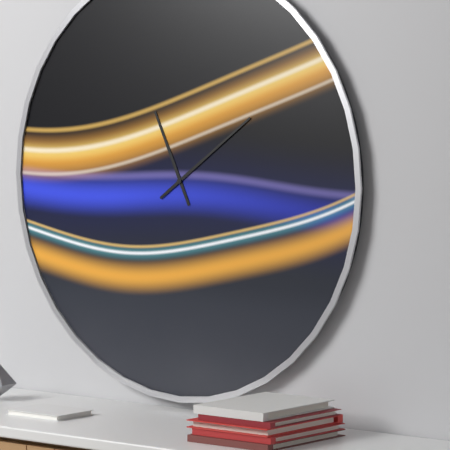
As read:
{"hour": 11, "minute": 9}
